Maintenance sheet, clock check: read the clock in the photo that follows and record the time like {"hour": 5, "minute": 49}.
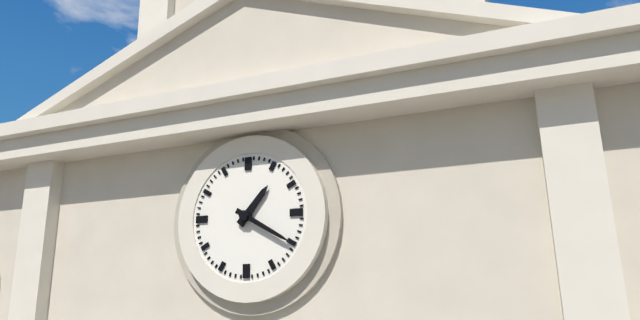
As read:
{"hour": 1, "minute": 20}
